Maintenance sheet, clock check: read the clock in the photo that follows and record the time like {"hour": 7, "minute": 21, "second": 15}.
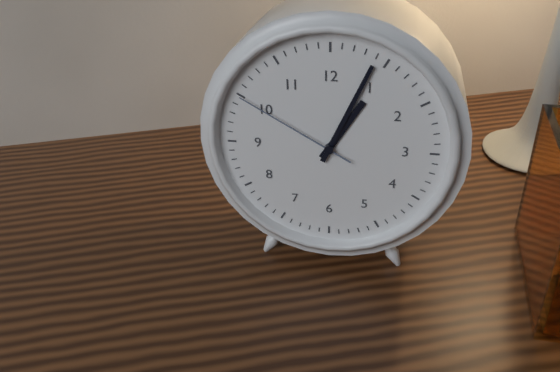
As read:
{"hour": 1, "minute": 4, "second": 50}
